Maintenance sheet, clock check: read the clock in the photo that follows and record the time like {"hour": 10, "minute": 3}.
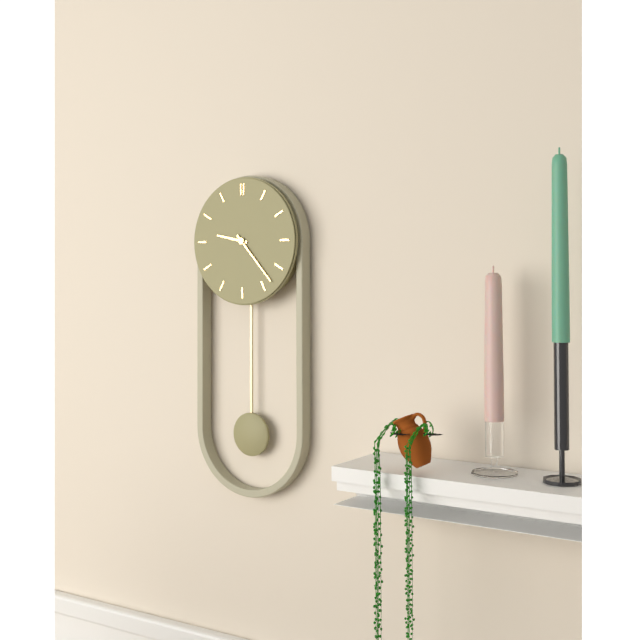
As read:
{"hour": 9, "minute": 23}
